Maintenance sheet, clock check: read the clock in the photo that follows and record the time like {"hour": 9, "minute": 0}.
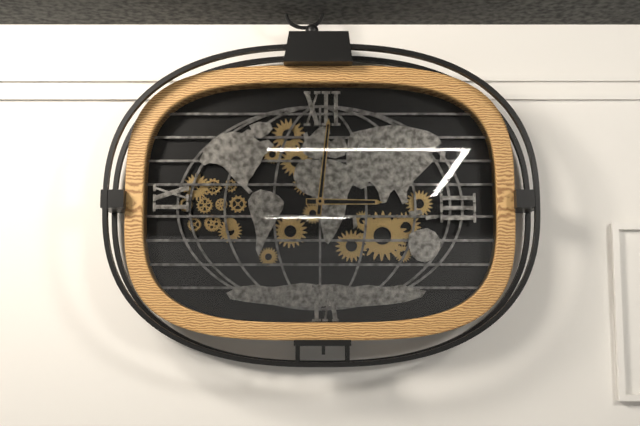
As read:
{"hour": 3, "minute": 1}
